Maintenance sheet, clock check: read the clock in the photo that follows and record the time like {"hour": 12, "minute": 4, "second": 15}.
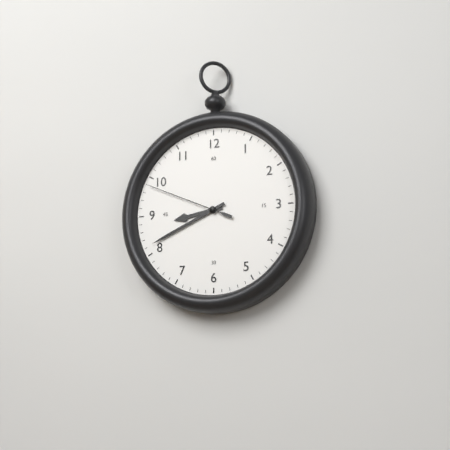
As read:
{"hour": 8, "minute": 41, "second": 49}
